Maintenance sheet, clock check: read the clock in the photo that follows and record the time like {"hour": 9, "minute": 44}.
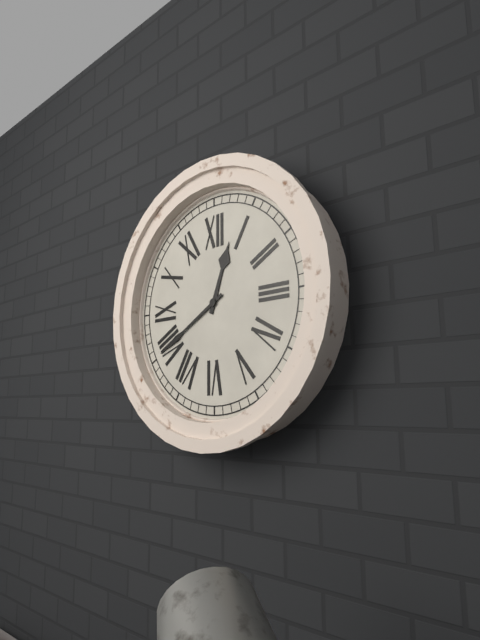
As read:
{"hour": 12, "minute": 40}
